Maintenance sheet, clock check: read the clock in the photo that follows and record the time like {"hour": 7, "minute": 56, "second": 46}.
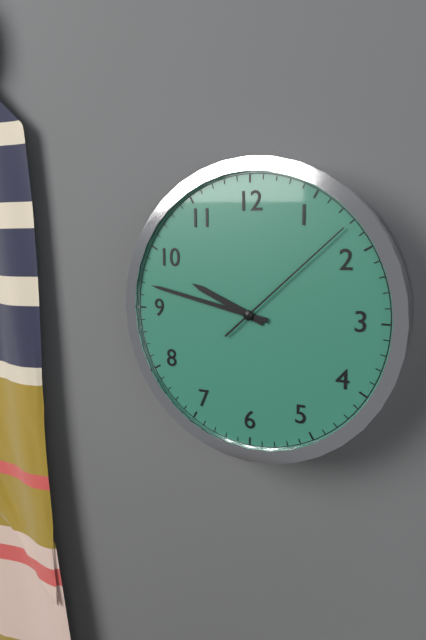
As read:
{"hour": 9, "minute": 47, "second": 8}
